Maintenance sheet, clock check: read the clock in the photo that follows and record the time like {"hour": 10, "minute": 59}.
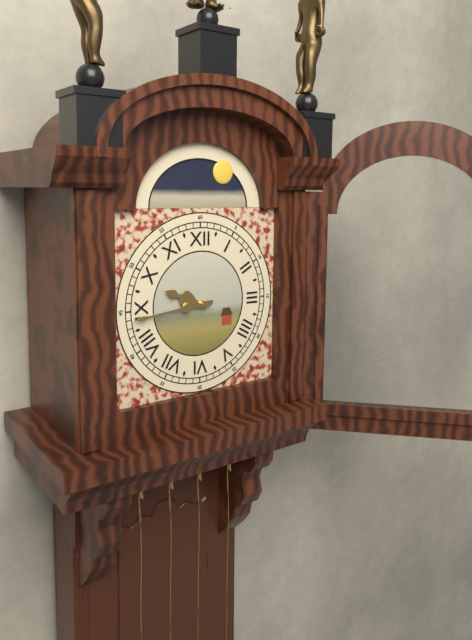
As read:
{"hour": 9, "minute": 44}
